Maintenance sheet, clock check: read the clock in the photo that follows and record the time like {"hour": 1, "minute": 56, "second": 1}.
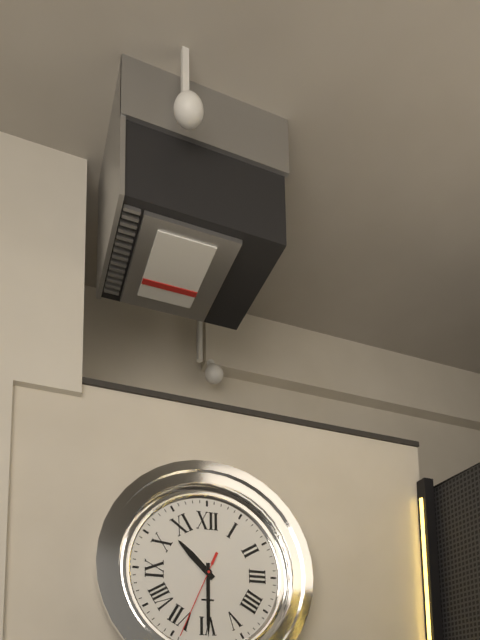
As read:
{"hour": 10, "minute": 30, "second": 34}
